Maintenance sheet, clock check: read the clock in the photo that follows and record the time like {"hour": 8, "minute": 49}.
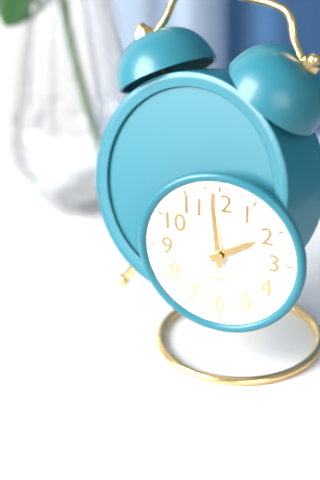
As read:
{"hour": 1, "minute": 59}
